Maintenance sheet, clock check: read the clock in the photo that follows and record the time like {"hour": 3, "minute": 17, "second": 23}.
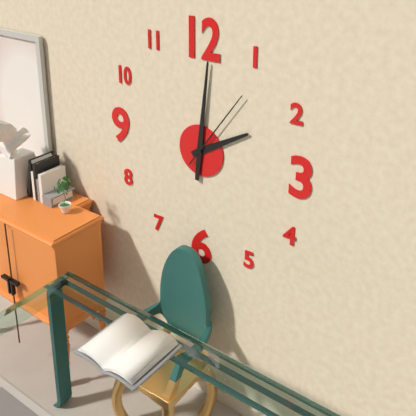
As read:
{"hour": 2, "minute": 1, "second": 6}
